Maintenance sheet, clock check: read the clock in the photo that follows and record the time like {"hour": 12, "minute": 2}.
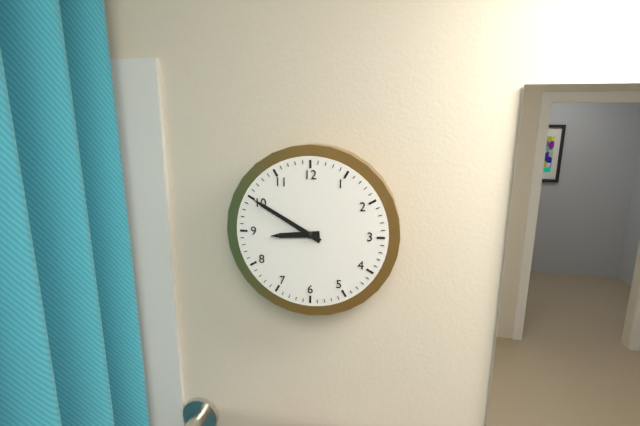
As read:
{"hour": 8, "minute": 50}
